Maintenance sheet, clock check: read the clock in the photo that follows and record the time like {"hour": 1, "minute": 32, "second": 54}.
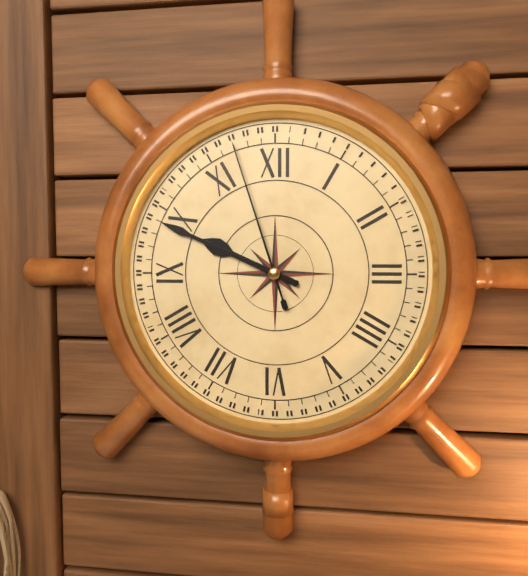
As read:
{"hour": 9, "minute": 49, "second": 57}
